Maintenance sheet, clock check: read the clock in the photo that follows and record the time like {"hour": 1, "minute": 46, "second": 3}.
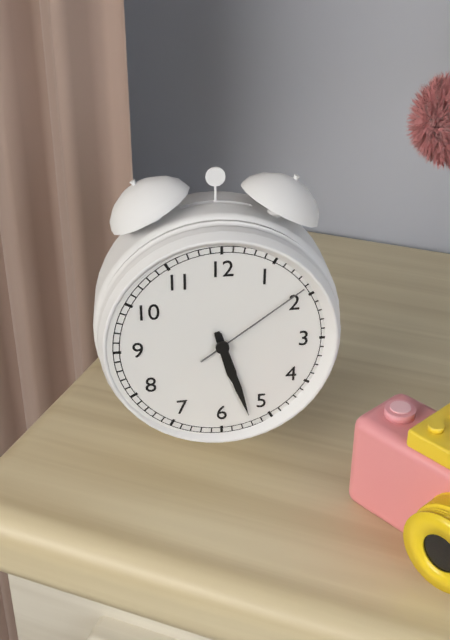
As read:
{"hour": 5, "minute": 27, "second": 9}
